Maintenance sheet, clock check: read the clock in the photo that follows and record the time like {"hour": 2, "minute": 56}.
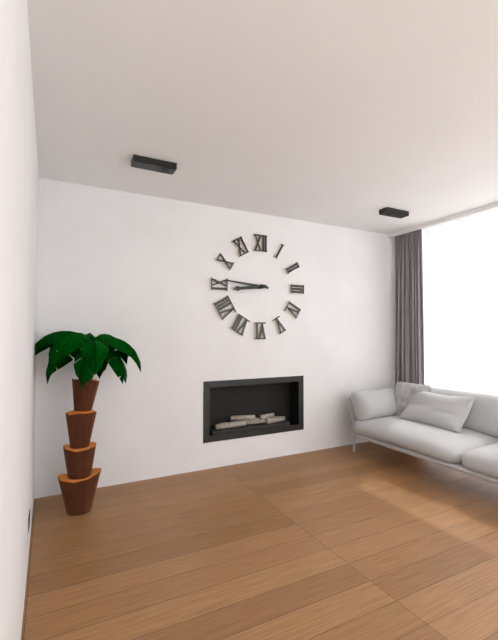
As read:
{"hour": 8, "minute": 46}
